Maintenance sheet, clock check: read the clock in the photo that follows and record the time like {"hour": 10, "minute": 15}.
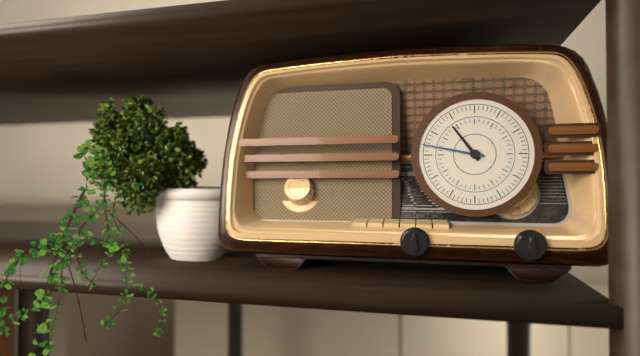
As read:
{"hour": 10, "minute": 47}
